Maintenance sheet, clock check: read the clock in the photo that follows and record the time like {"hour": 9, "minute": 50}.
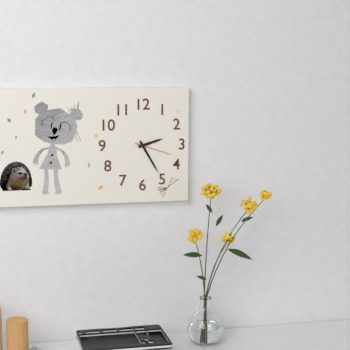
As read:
{"hour": 2, "minute": 25}
